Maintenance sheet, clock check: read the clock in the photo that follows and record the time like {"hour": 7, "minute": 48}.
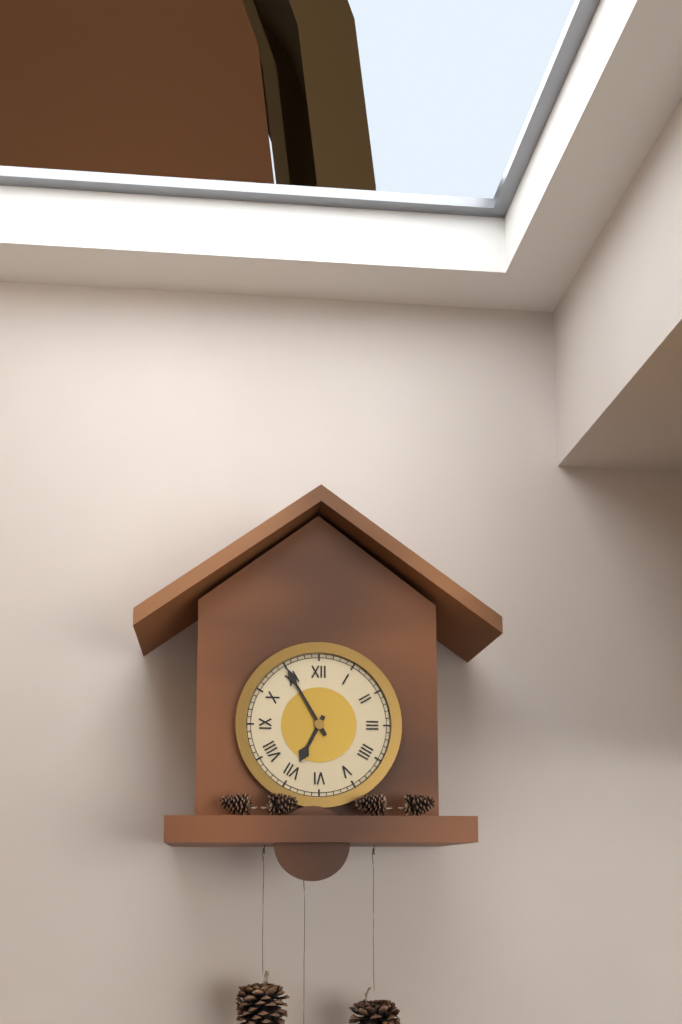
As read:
{"hour": 6, "minute": 55}
